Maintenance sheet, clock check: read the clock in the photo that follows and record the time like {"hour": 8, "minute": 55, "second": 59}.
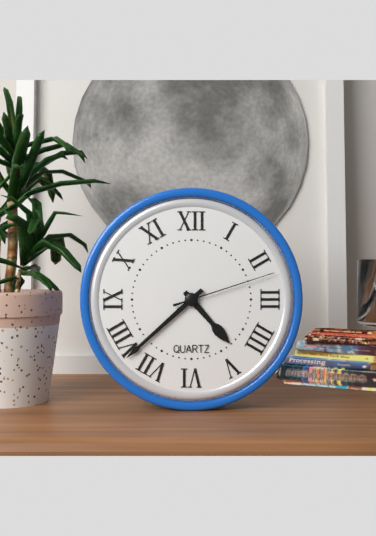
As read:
{"hour": 4, "minute": 38, "second": 12}
